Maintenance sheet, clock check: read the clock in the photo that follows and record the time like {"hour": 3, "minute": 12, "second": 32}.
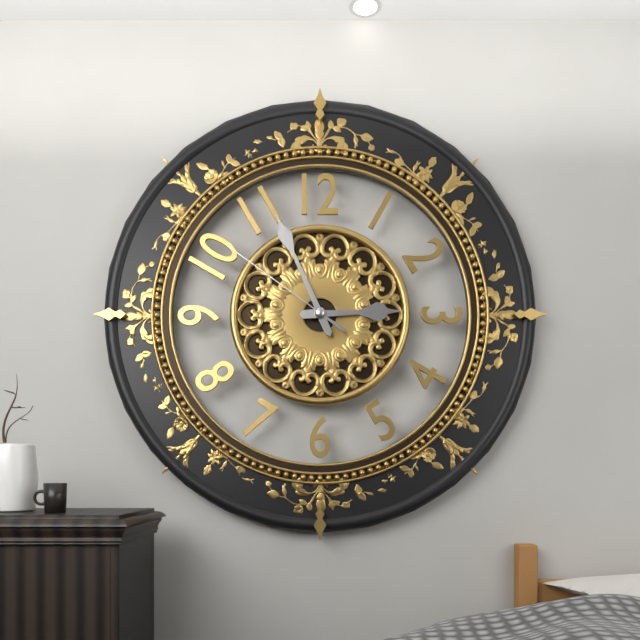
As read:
{"hour": 2, "minute": 56, "second": 51}
